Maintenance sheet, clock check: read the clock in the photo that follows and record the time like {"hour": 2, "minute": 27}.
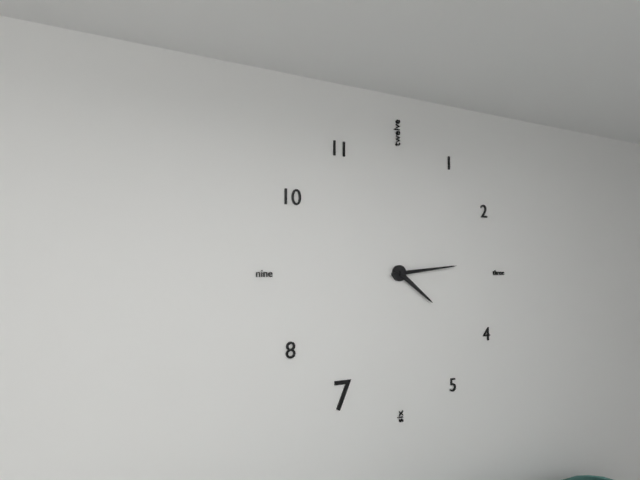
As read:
{"hour": 4, "minute": 14}
